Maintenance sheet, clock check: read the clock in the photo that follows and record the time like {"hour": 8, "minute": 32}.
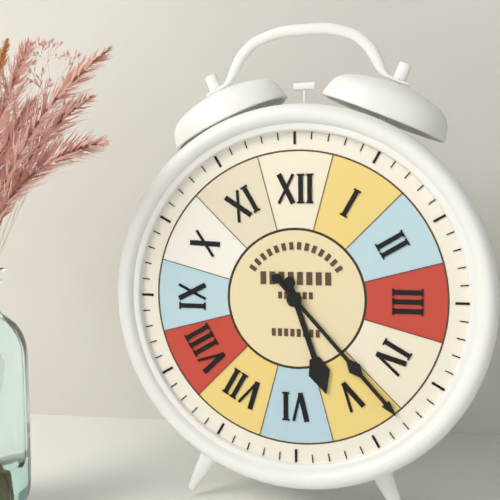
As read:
{"hour": 5, "minute": 23}
